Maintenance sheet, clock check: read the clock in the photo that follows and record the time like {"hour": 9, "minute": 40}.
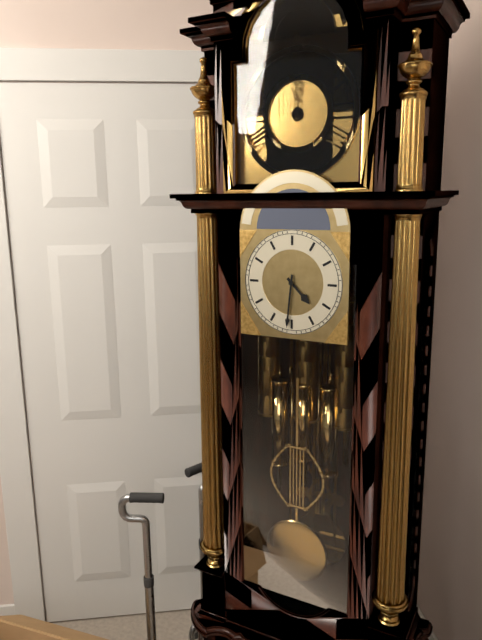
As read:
{"hour": 4, "minute": 31}
